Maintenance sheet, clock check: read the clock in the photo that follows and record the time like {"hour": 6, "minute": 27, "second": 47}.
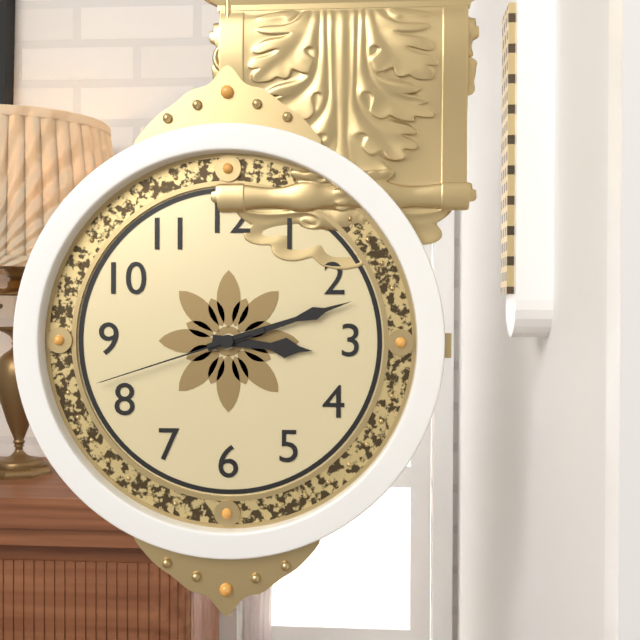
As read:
{"hour": 3, "minute": 12, "second": 42}
